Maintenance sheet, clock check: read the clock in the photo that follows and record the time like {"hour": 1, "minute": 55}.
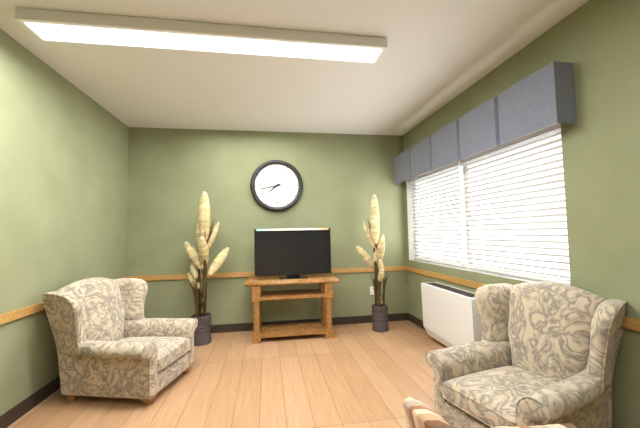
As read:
{"hour": 7, "minute": 43}
